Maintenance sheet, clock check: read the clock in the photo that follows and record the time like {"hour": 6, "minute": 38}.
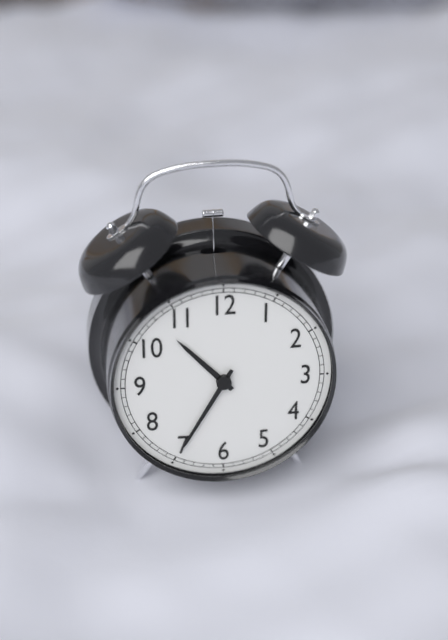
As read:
{"hour": 10, "minute": 35}
